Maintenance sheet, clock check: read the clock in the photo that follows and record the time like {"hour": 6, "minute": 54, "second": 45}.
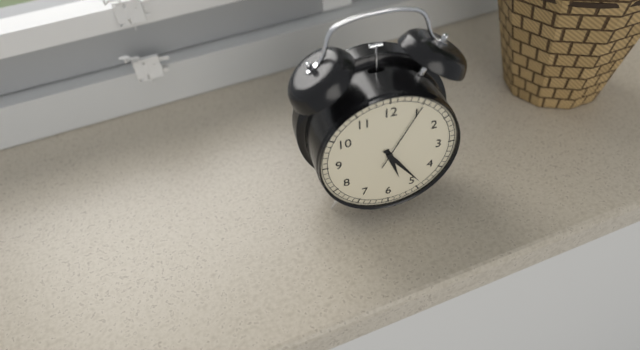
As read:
{"hour": 5, "minute": 24, "second": 5}
